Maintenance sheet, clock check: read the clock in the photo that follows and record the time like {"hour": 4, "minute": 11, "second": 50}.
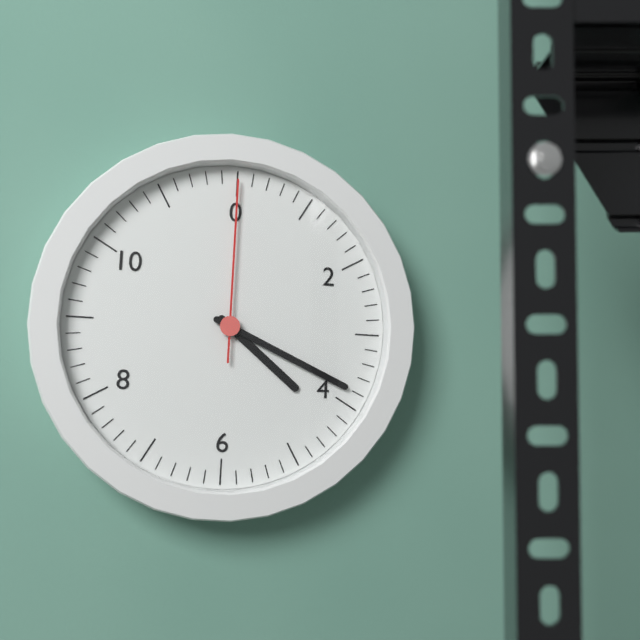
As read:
{"hour": 4, "minute": 19, "second": 0}
